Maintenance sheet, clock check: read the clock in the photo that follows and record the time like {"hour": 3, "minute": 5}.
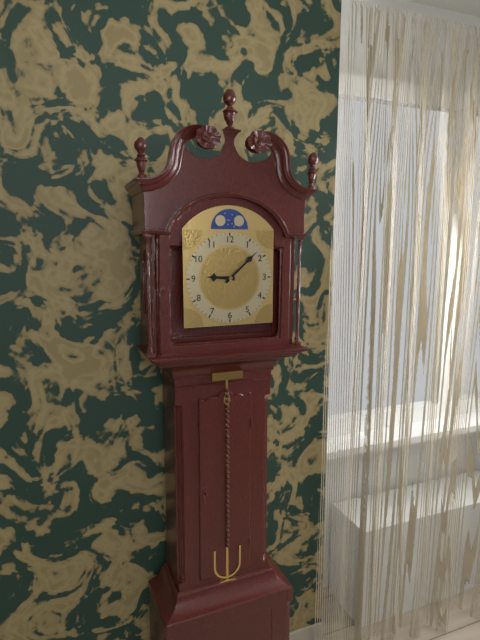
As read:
{"hour": 9, "minute": 8}
